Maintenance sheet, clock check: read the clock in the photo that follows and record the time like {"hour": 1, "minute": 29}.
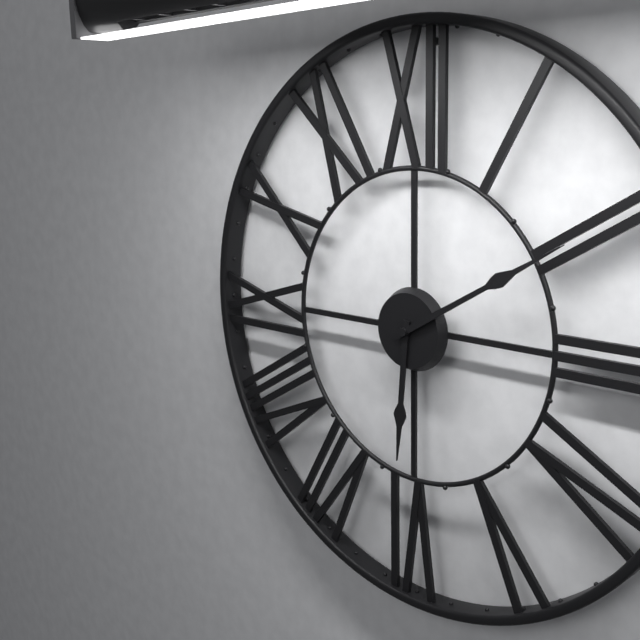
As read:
{"hour": 6, "minute": 10}
